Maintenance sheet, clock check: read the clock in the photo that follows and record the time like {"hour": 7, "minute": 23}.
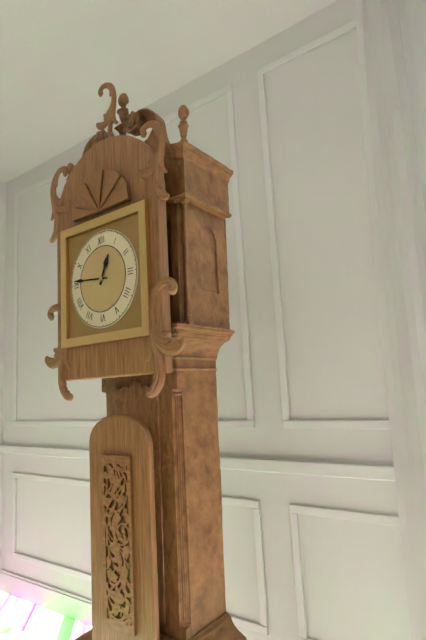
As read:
{"hour": 12, "minute": 46}
